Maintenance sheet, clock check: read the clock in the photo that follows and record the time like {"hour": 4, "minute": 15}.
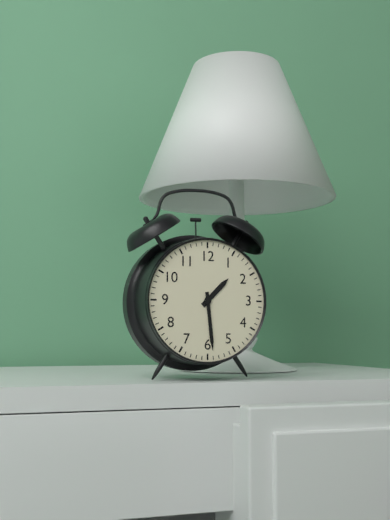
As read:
{"hour": 1, "minute": 29}
